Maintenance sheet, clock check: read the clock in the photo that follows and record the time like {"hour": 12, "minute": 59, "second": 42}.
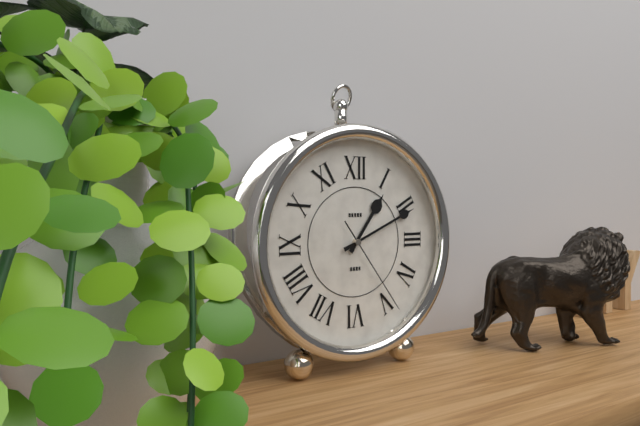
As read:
{"hour": 1, "minute": 11, "second": 24}
